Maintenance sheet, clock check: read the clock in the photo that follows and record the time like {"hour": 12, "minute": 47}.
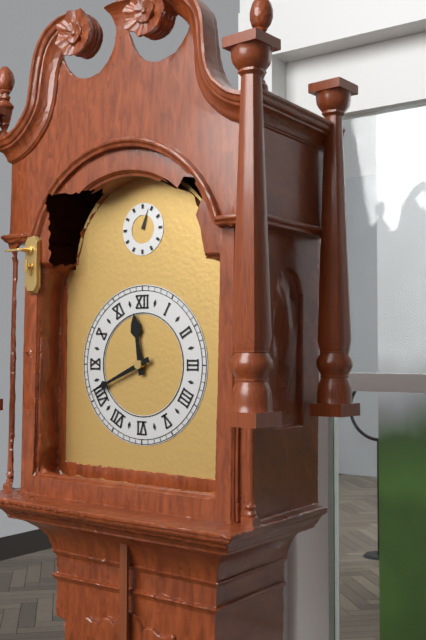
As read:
{"hour": 11, "minute": 41}
